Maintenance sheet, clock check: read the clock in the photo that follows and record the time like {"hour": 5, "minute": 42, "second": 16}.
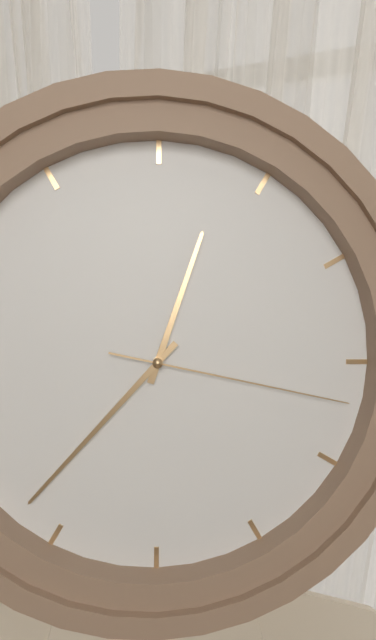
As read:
{"hour": 12, "minute": 37, "second": 17}
